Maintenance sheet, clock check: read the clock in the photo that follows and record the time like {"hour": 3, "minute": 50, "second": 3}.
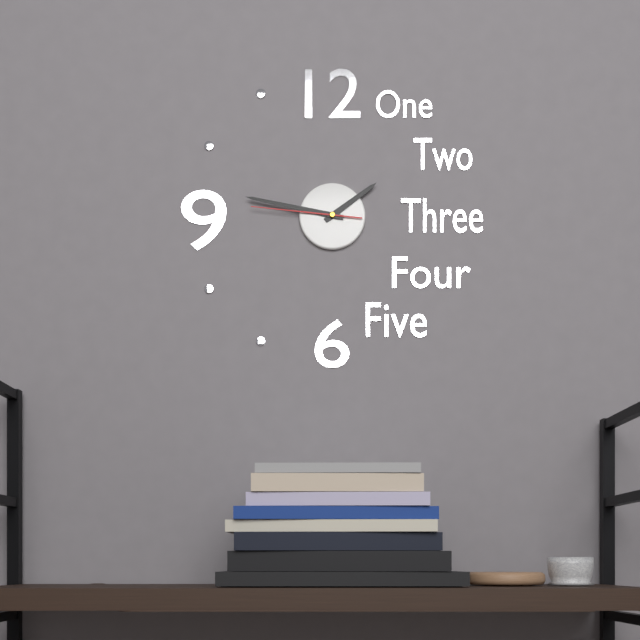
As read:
{"hour": 1, "minute": 47, "second": 46}
